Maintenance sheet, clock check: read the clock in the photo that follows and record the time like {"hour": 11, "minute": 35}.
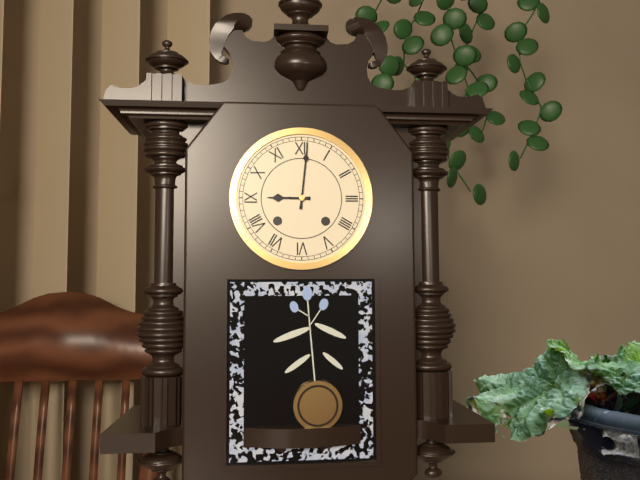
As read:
{"hour": 9, "minute": 1}
